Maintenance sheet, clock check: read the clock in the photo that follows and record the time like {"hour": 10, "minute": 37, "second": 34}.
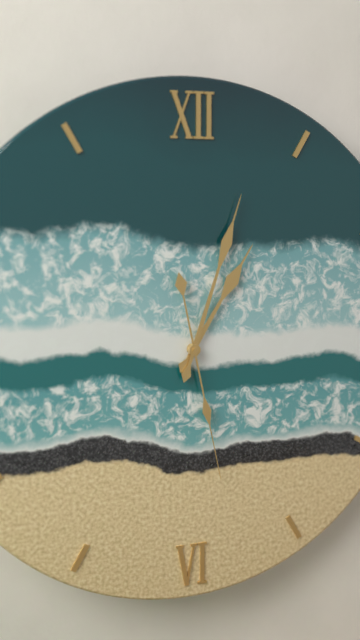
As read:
{"hour": 1, "minute": 3, "second": 28}
